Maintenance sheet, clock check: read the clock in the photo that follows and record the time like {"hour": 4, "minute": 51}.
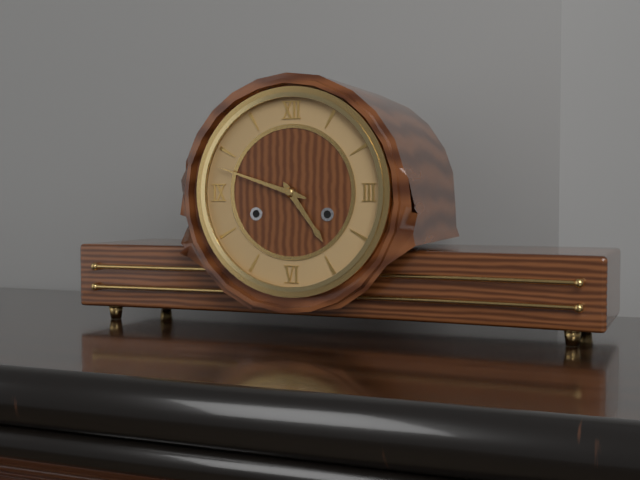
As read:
{"hour": 4, "minute": 48}
